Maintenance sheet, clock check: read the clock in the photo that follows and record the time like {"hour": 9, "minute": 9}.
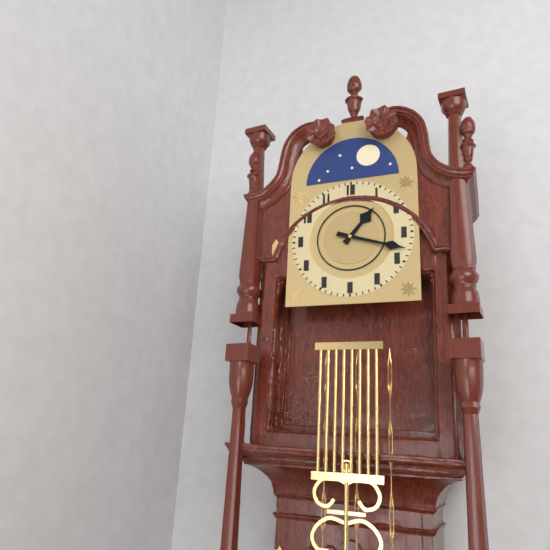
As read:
{"hour": 1, "minute": 18}
